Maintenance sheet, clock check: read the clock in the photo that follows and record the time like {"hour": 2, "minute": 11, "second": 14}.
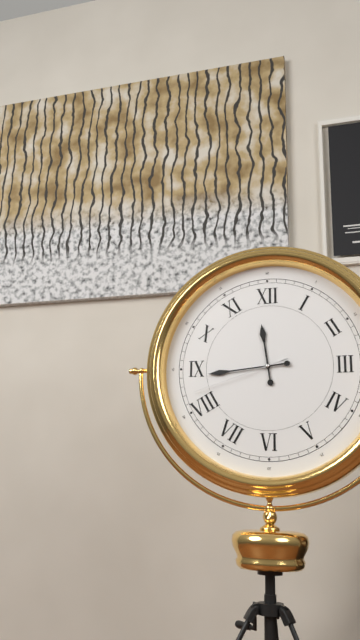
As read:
{"hour": 11, "minute": 44, "second": 42}
